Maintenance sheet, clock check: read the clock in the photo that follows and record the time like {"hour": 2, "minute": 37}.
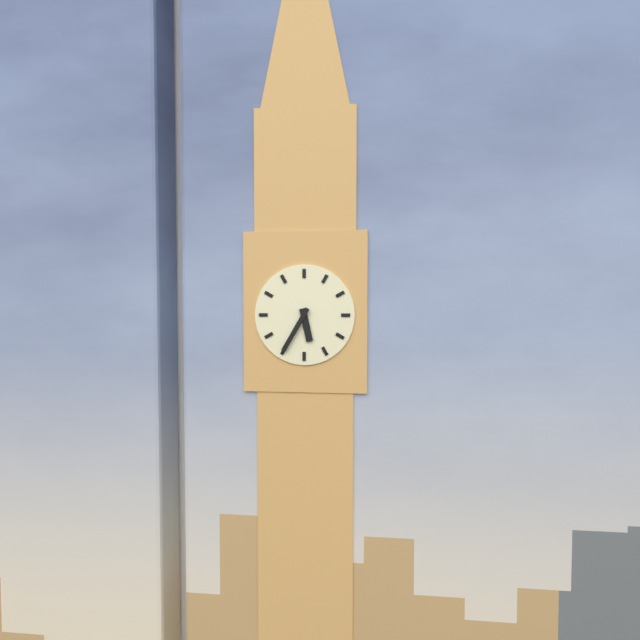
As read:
{"hour": 5, "minute": 35}
